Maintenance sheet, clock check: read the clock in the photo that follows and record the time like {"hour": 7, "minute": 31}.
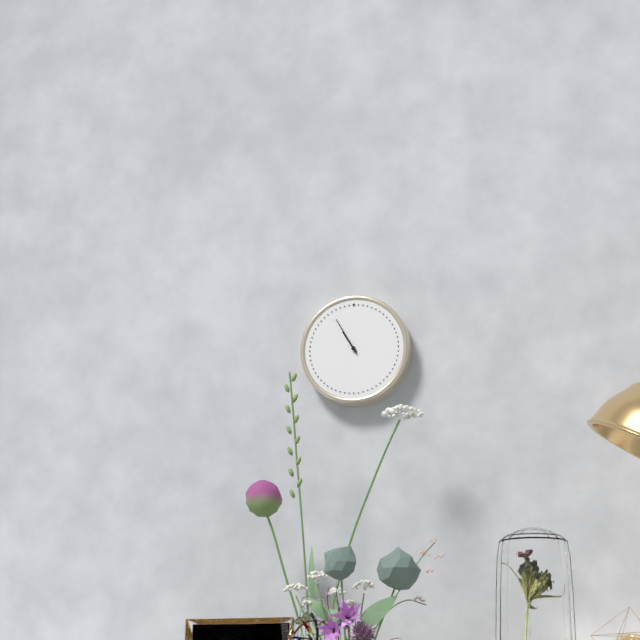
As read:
{"hour": 10, "minute": 55}
